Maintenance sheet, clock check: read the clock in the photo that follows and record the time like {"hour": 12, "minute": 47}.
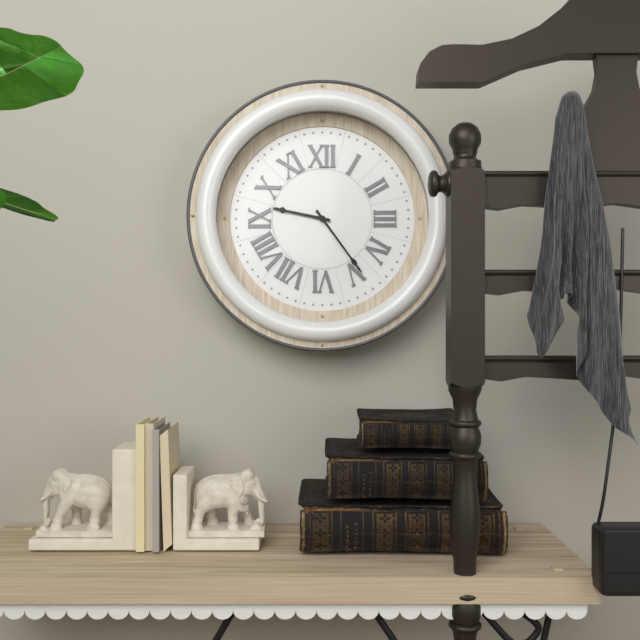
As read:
{"hour": 9, "minute": 24}
